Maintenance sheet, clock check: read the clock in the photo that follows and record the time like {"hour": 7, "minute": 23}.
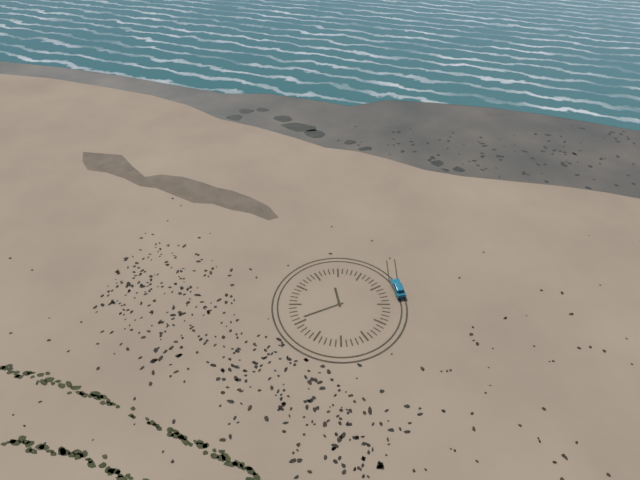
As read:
{"hour": 11, "minute": 41}
